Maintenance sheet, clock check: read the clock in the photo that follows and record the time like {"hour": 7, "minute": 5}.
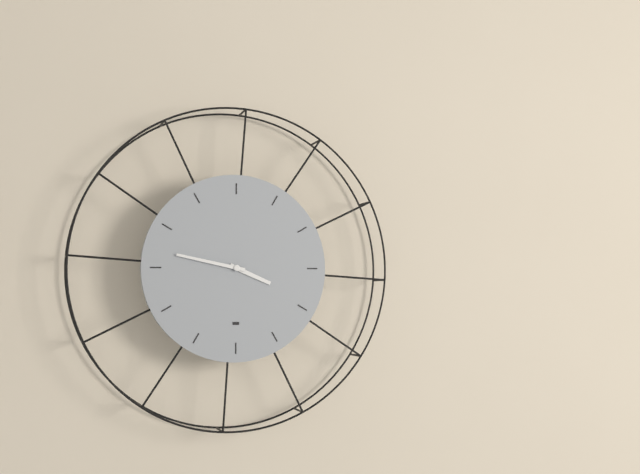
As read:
{"hour": 3, "minute": 47}
